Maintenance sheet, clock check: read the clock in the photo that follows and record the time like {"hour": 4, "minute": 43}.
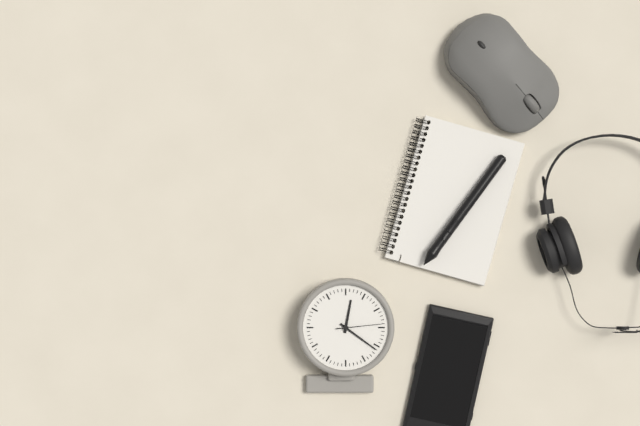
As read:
{"hour": 12, "minute": 21}
